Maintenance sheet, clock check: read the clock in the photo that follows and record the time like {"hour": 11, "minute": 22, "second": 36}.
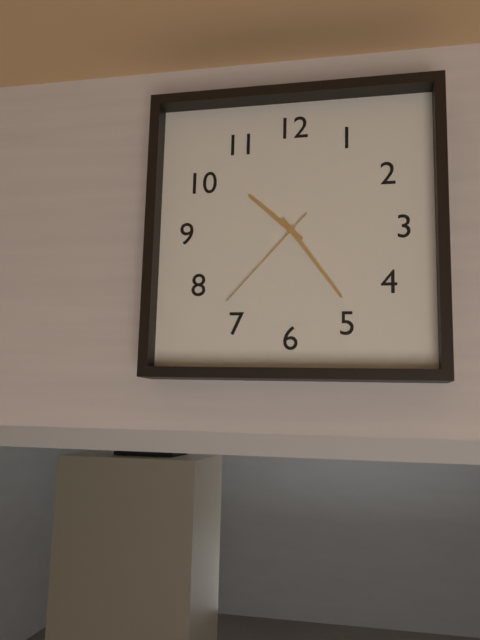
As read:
{"hour": 10, "minute": 24, "second": 37}
